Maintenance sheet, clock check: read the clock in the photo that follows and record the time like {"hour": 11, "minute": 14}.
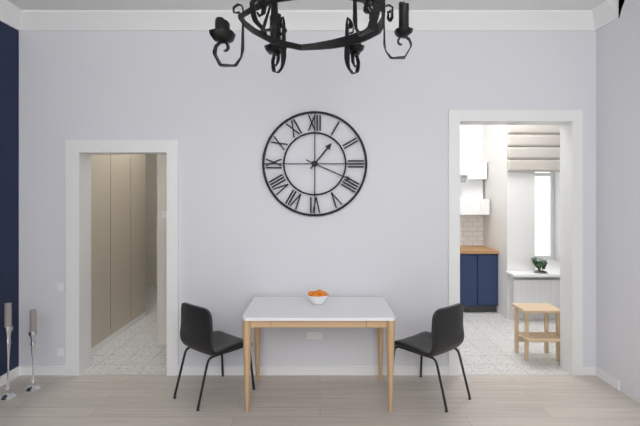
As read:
{"hour": 1, "minute": 19}
